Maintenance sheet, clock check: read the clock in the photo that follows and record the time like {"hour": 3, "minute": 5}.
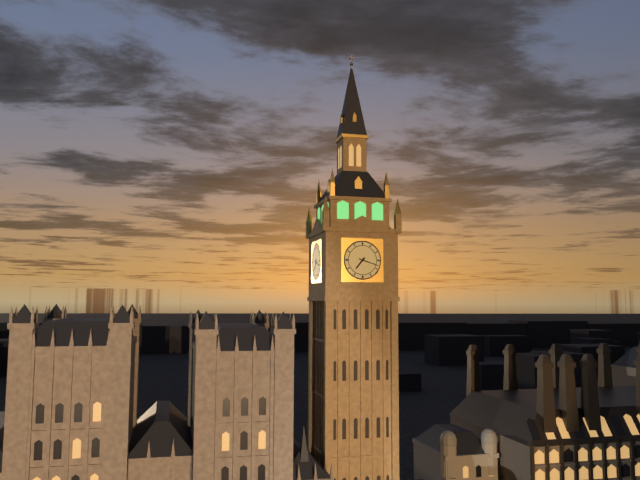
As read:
{"hour": 7, "minute": 18}
